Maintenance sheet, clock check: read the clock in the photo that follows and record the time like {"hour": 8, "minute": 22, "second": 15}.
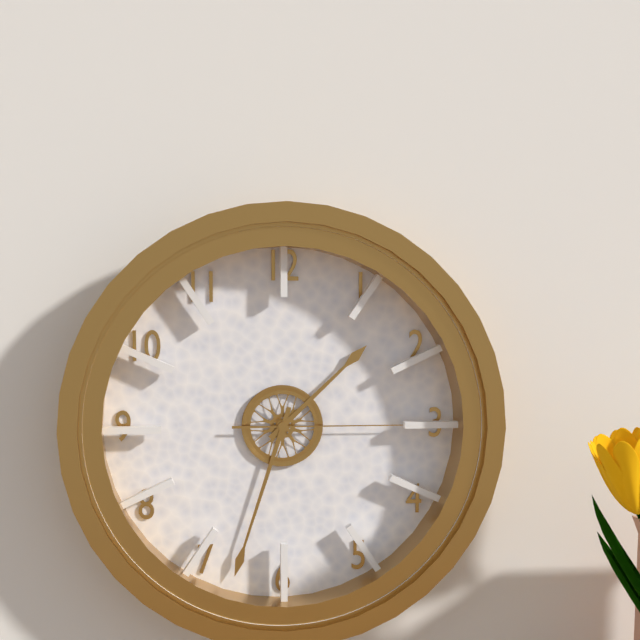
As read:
{"hour": 1, "minute": 33, "second": 15}
